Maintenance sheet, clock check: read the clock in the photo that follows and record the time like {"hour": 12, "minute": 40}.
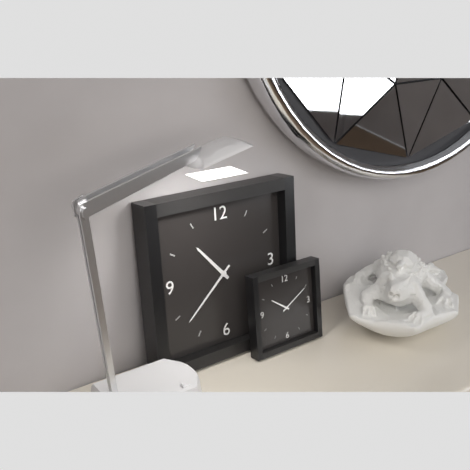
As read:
{"hour": 10, "minute": 38}
